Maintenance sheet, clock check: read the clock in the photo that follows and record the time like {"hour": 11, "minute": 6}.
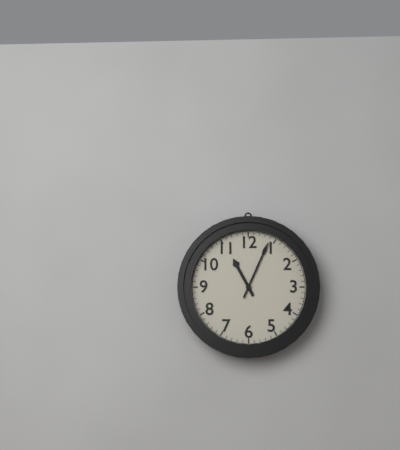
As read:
{"hour": 11, "minute": 4}
